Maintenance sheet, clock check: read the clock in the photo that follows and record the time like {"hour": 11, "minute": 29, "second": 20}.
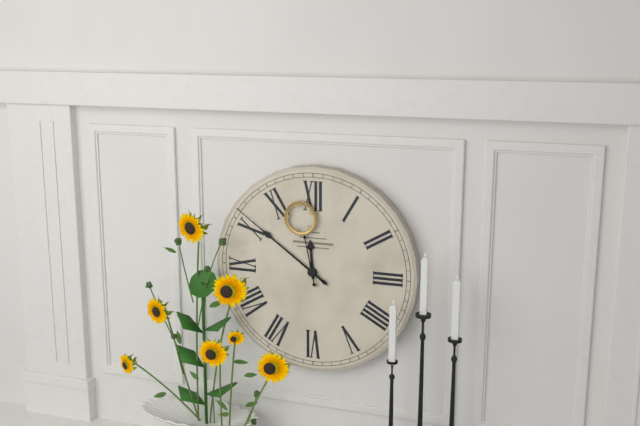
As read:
{"hour": 11, "minute": 51, "second": 58}
